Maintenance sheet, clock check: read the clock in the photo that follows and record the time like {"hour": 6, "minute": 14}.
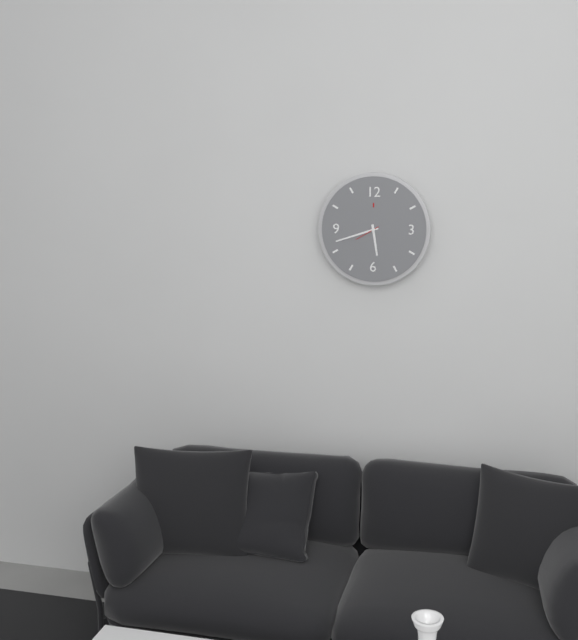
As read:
{"hour": 5, "minute": 42}
